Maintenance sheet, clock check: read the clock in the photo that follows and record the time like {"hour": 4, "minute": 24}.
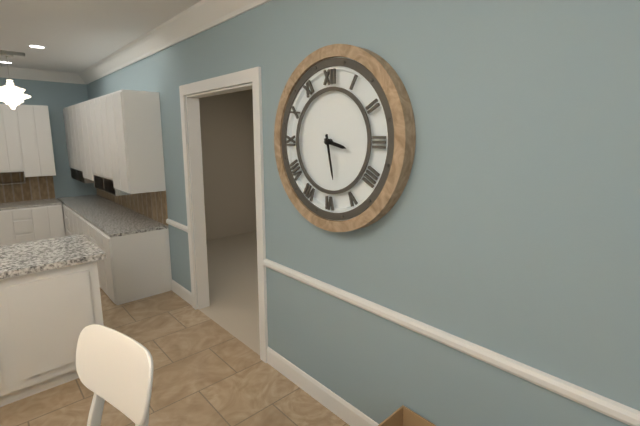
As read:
{"hour": 3, "minute": 28}
